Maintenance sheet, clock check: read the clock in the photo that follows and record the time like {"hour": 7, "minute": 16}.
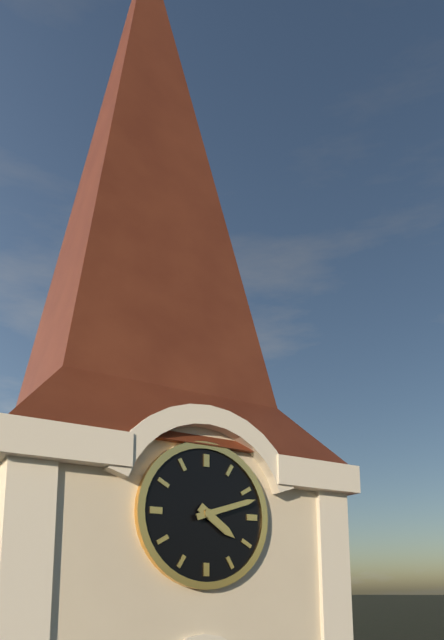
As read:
{"hour": 4, "minute": 12}
